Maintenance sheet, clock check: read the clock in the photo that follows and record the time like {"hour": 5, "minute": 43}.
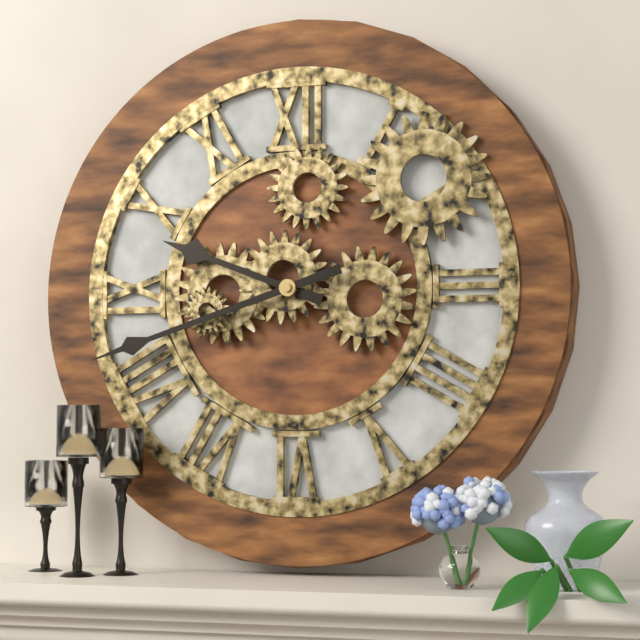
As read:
{"hour": 9, "minute": 42}
